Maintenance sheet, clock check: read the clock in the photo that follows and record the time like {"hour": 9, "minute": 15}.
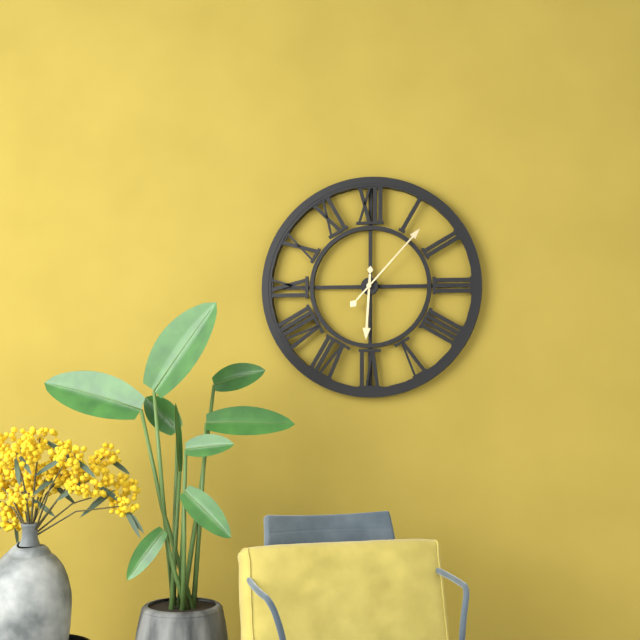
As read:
{"hour": 6, "minute": 7}
